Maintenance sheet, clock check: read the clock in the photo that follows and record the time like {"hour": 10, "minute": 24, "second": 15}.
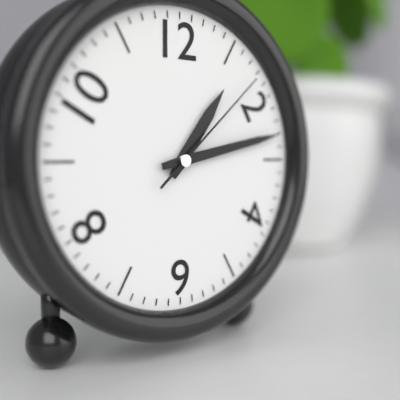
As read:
{"hour": 1, "minute": 13, "second": 8}
